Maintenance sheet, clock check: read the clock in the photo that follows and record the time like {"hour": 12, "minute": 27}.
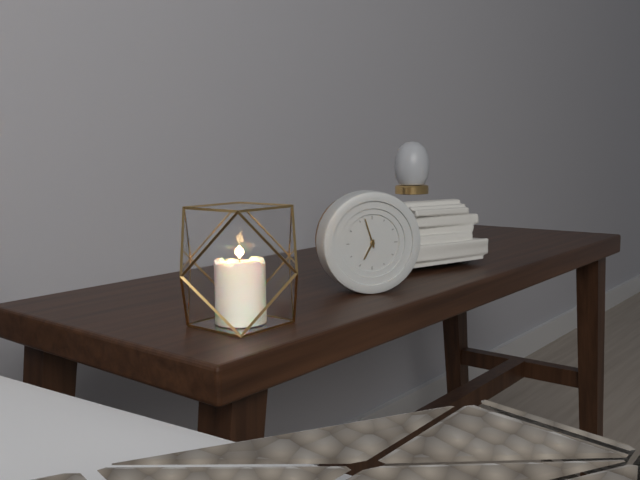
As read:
{"hour": 6, "minute": 57}
